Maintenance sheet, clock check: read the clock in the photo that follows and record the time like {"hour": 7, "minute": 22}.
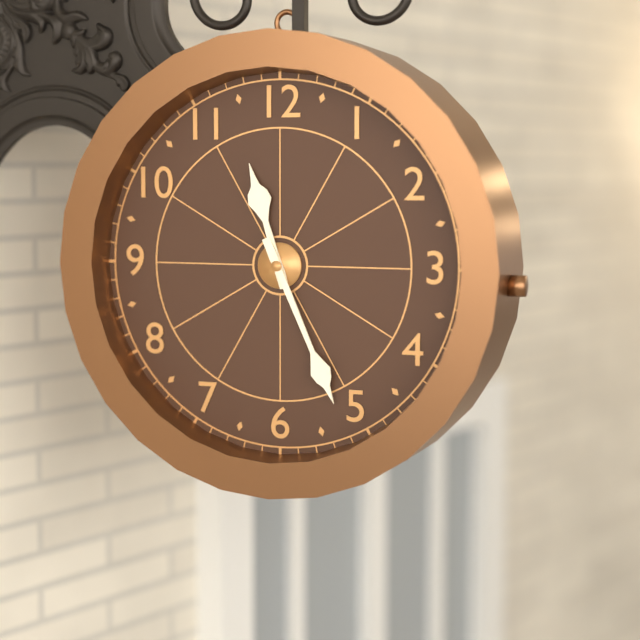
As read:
{"hour": 11, "minute": 26}
